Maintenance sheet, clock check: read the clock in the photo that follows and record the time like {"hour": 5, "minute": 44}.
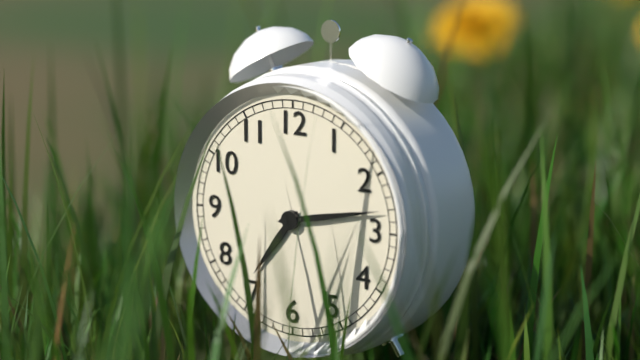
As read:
{"hour": 7, "minute": 13}
